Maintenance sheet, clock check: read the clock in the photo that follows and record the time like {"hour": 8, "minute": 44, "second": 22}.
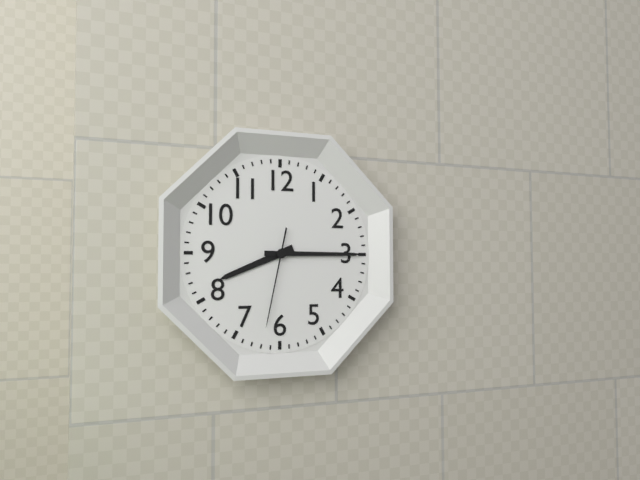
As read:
{"hour": 8, "minute": 15, "second": 32}
